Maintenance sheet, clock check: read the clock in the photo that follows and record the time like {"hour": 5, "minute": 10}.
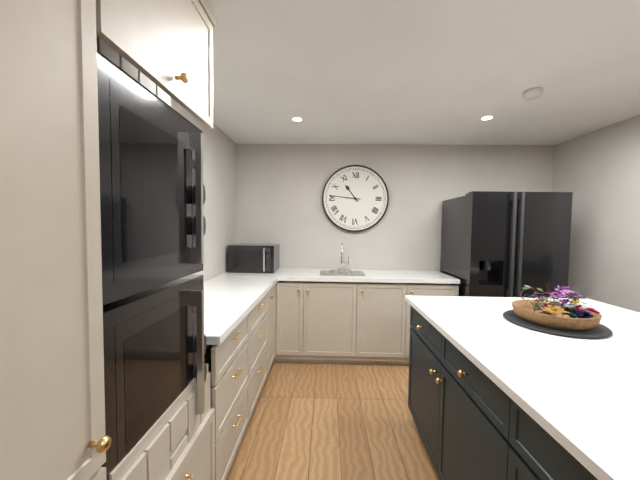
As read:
{"hour": 10, "minute": 46}
